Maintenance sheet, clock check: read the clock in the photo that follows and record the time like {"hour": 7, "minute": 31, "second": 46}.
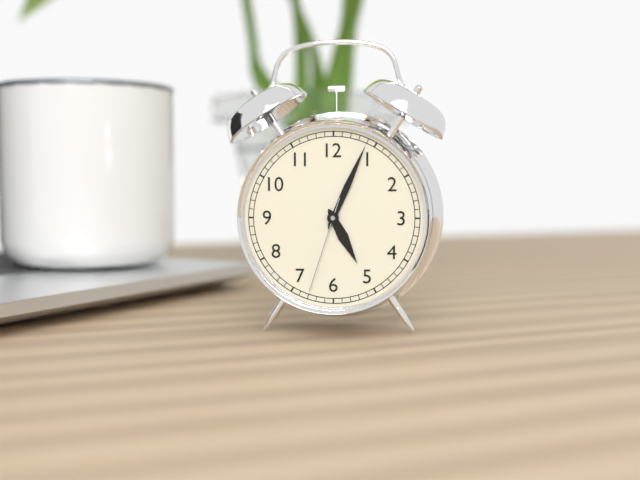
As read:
{"hour": 5, "minute": 4, "second": 33}
